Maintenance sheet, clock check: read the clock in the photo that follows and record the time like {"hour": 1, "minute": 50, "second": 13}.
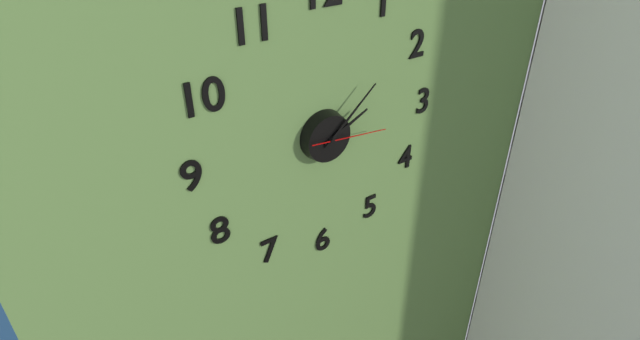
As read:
{"hour": 2, "minute": 8, "second": 16}
